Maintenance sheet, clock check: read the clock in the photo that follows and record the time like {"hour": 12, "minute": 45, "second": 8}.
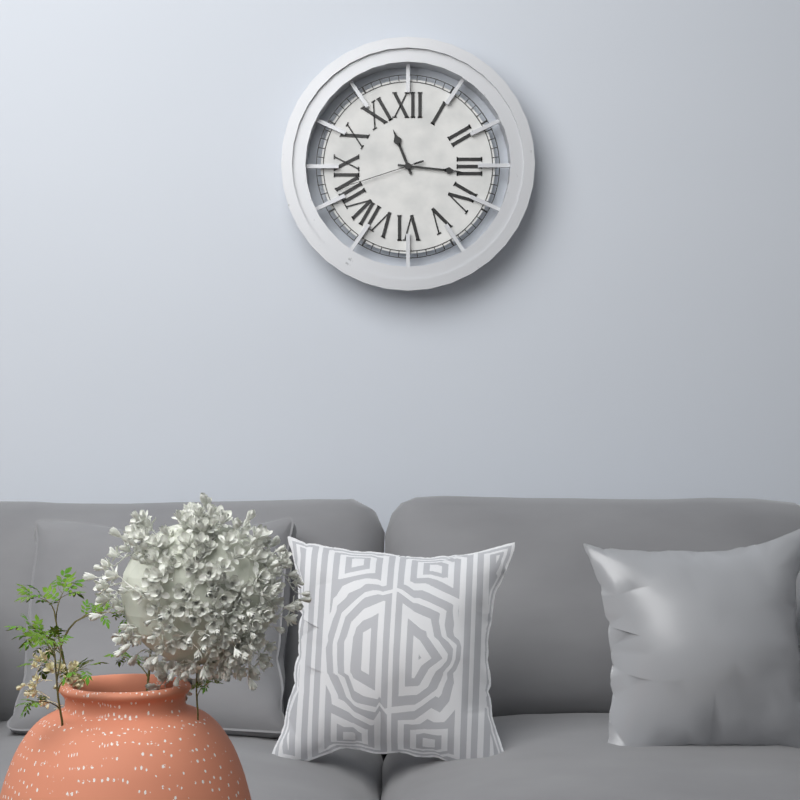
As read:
{"hour": 11, "minute": 16, "second": 42}
